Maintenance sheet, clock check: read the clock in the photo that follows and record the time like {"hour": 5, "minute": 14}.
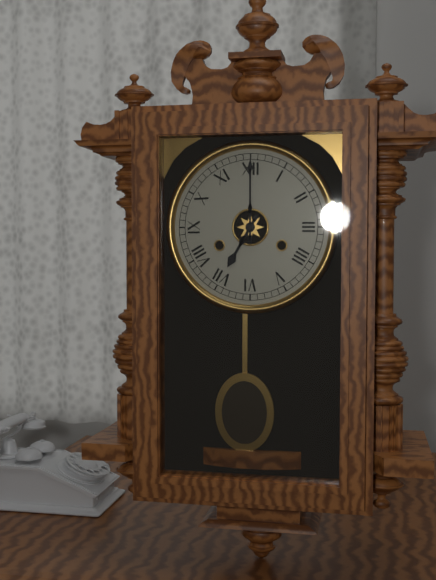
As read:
{"hour": 7, "minute": 0}
